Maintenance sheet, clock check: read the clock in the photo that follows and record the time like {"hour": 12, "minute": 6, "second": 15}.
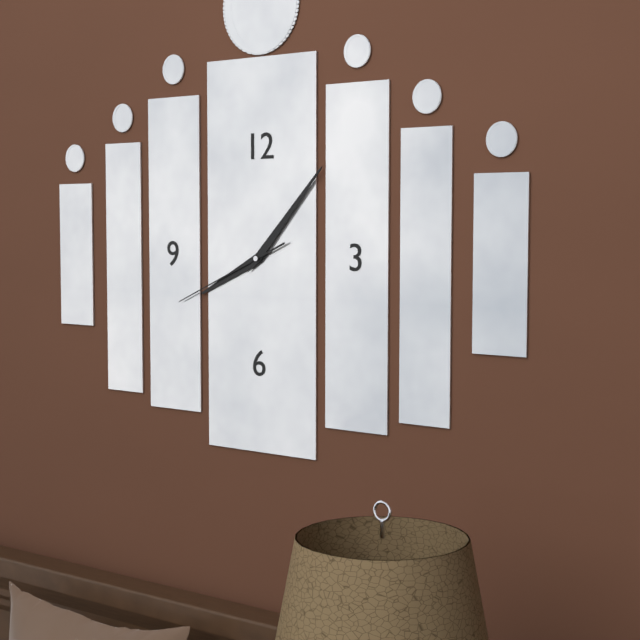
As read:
{"hour": 8, "minute": 7, "second": 41}
